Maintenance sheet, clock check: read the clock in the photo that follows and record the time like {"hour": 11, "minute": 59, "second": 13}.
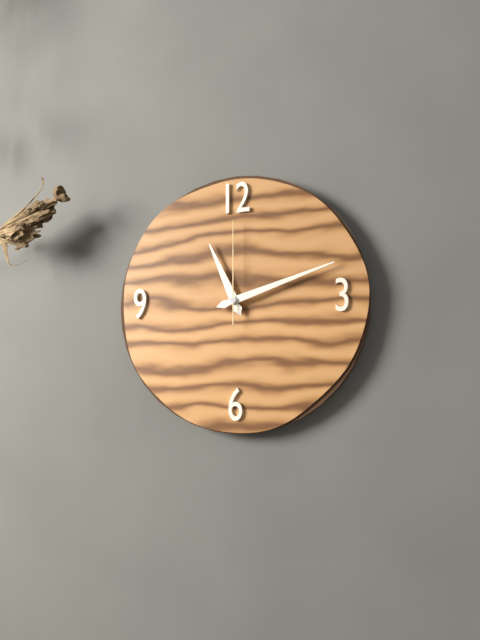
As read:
{"hour": 11, "minute": 12, "second": 0}
